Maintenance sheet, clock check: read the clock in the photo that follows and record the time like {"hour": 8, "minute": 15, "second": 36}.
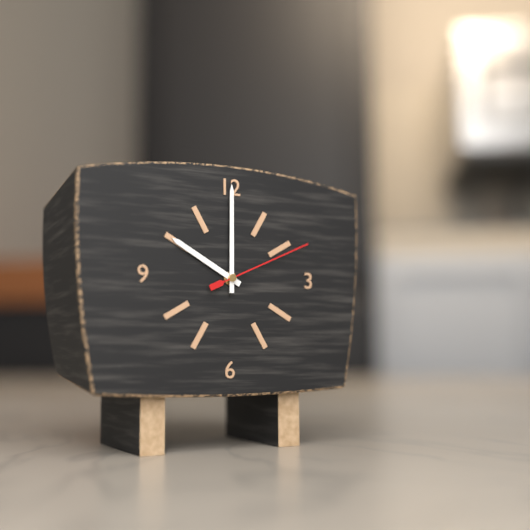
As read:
{"hour": 10, "minute": 0, "second": 11}
